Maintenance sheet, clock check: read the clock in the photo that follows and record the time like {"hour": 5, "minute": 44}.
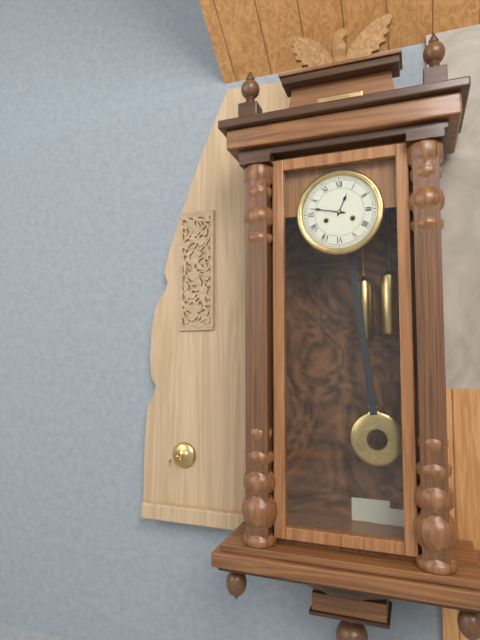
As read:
{"hour": 12, "minute": 47}
